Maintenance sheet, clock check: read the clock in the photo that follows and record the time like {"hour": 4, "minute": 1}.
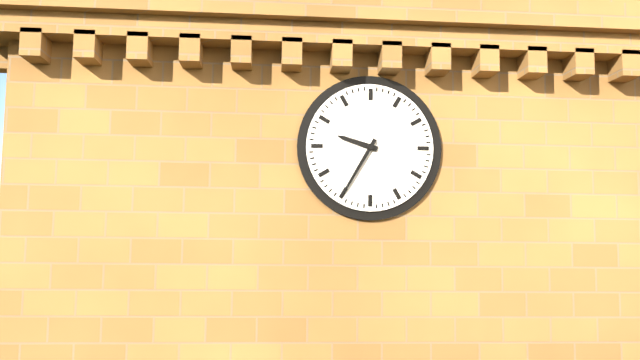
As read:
{"hour": 9, "minute": 35}
